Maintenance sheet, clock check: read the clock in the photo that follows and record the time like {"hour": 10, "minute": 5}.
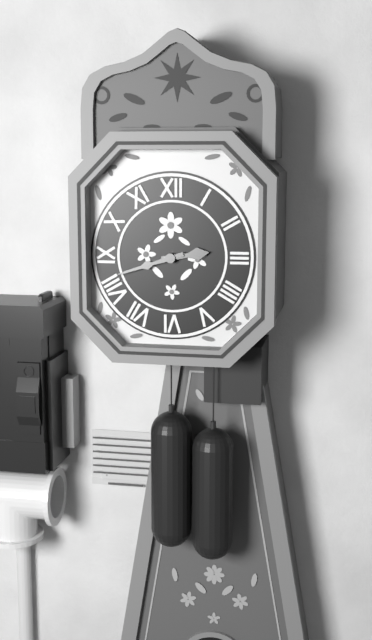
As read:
{"hour": 2, "minute": 42}
